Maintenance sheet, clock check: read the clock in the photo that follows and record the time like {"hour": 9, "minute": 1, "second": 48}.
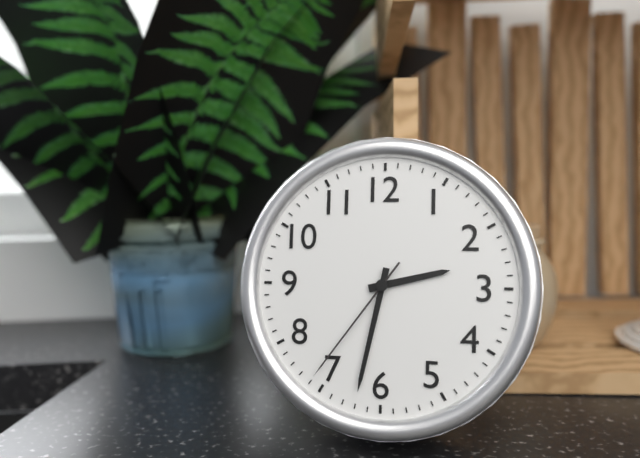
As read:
{"hour": 2, "minute": 32, "second": 36}
